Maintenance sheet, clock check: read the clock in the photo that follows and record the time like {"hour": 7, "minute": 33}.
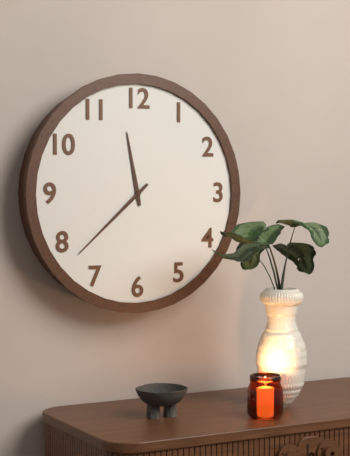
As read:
{"hour": 11, "minute": 38}
